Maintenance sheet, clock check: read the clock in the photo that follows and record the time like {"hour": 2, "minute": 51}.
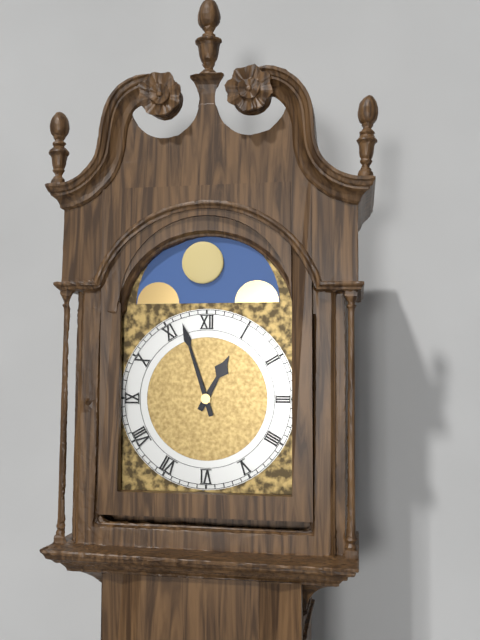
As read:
{"hour": 12, "minute": 57}
